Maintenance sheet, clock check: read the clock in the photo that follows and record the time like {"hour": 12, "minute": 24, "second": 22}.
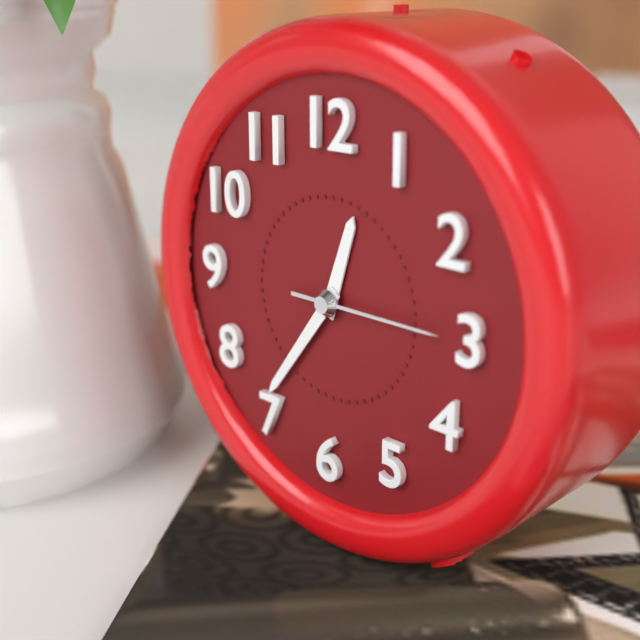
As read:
{"hour": 12, "minute": 36, "second": 15}
